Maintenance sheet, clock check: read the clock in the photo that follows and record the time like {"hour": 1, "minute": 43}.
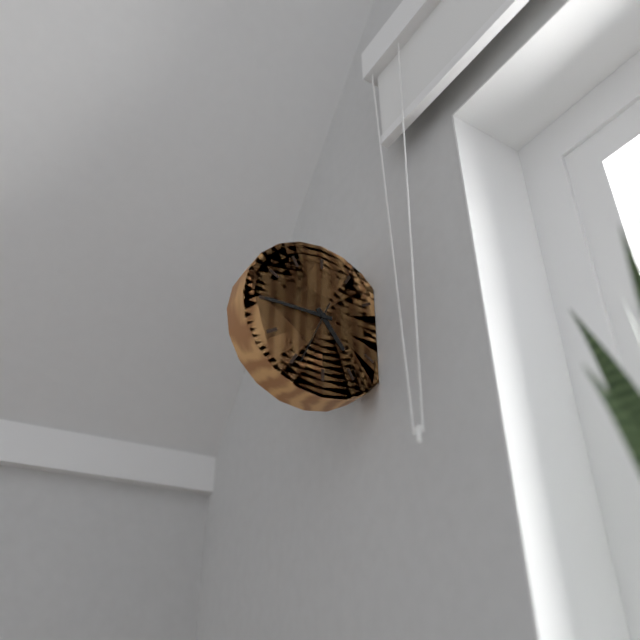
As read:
{"hour": 4, "minute": 45}
